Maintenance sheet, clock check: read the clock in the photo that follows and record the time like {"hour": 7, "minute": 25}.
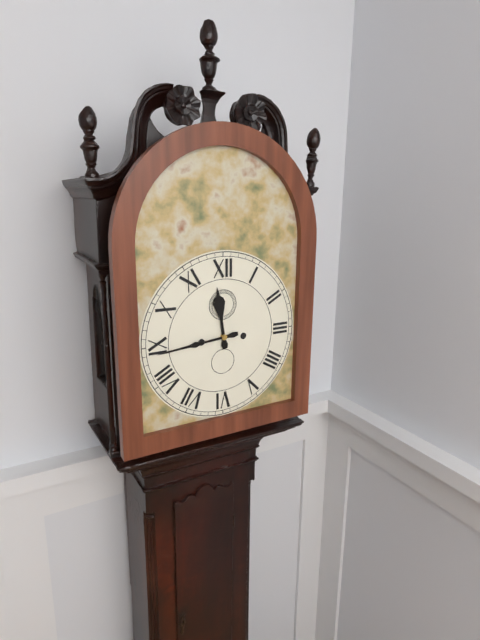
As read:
{"hour": 11, "minute": 44}
